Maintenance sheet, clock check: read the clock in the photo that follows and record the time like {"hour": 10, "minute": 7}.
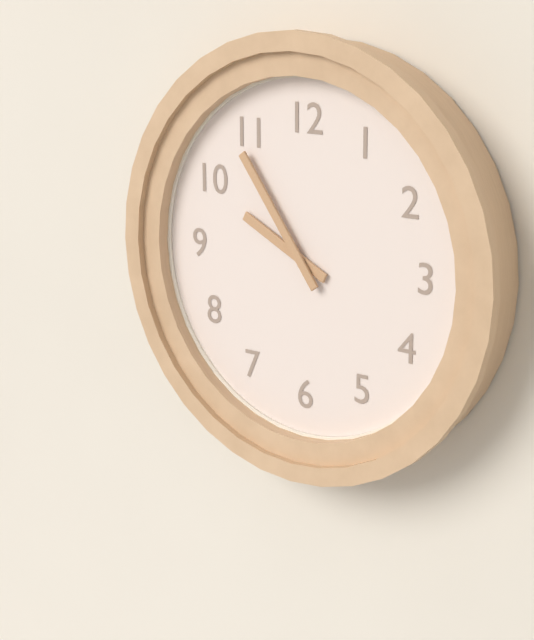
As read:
{"hour": 9, "minute": 54}
